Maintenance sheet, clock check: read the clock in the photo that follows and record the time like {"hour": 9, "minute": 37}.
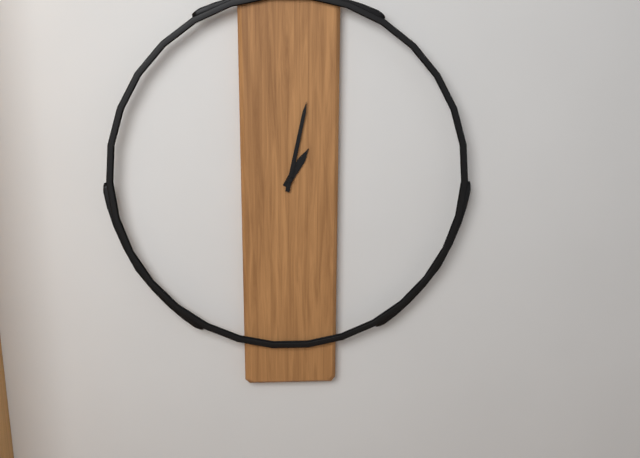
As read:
{"hour": 1, "minute": 2}
